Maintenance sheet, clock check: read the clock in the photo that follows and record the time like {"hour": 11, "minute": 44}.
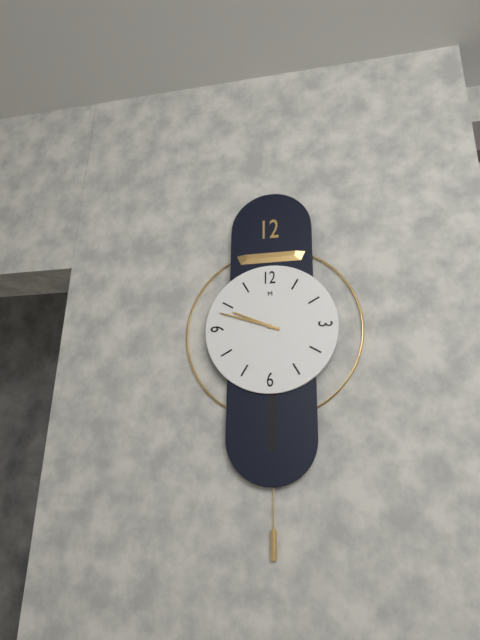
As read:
{"hour": 9, "minute": 48}
